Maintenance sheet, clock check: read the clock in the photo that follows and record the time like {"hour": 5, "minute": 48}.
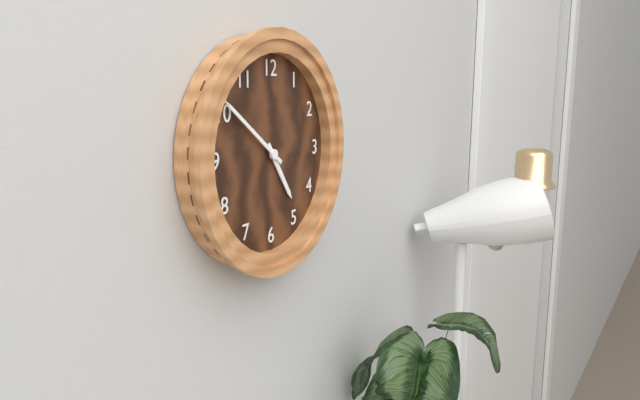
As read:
{"hour": 4, "minute": 51}
